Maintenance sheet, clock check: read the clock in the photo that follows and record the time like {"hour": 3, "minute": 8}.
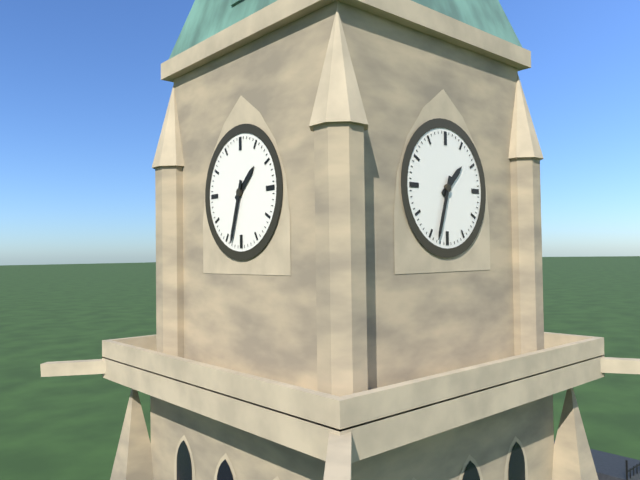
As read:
{"hour": 1, "minute": 33}
